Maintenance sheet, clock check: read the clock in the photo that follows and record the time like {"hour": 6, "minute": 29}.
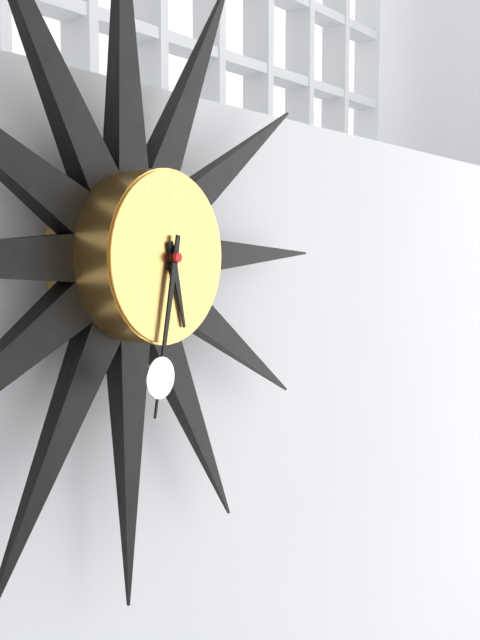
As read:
{"hour": 5, "minute": 32}
